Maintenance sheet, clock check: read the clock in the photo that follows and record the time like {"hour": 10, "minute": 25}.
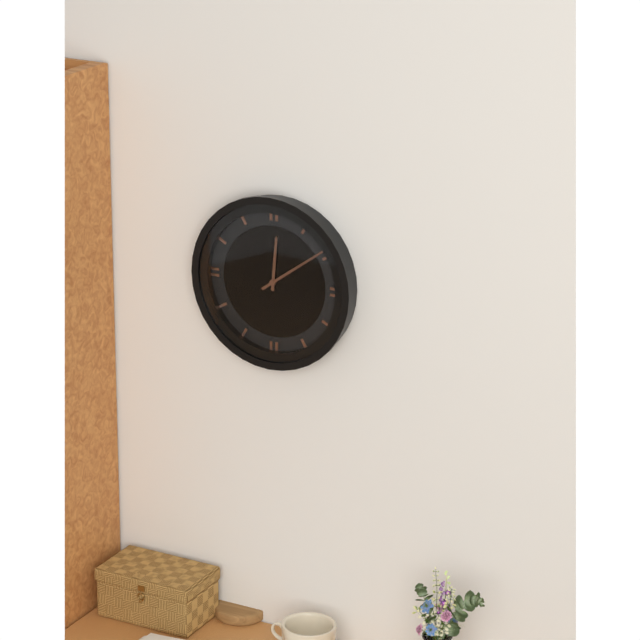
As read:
{"hour": 12, "minute": 9}
